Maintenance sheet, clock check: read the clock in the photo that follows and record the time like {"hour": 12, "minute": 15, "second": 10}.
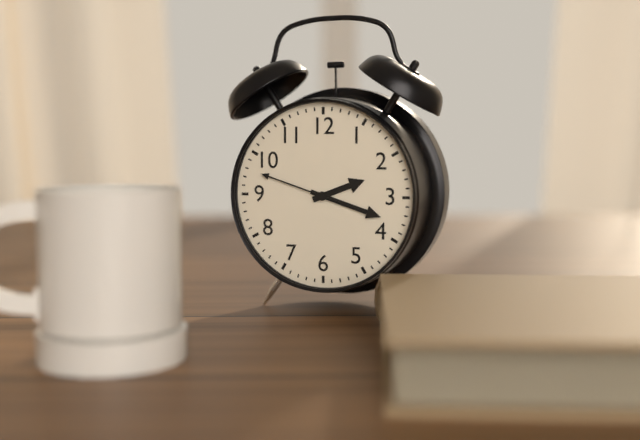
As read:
{"hour": 2, "minute": 18, "second": 48}
